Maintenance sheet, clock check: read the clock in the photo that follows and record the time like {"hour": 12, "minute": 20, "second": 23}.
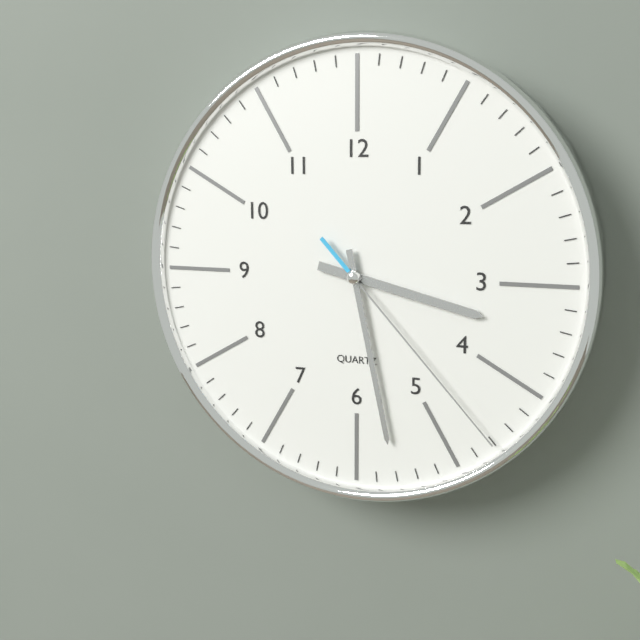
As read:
{"hour": 3, "minute": 28, "second": 23}
